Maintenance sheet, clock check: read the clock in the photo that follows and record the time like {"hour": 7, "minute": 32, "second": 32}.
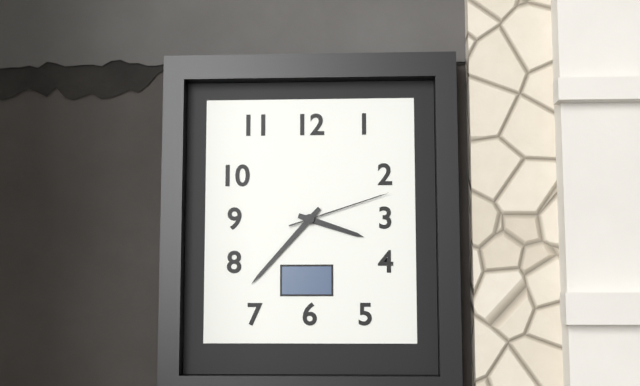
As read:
{"hour": 3, "minute": 37, "second": 12}
